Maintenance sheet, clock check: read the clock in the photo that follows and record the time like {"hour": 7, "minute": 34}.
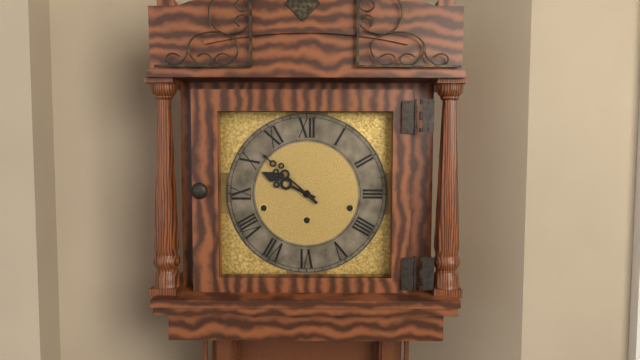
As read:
{"hour": 9, "minute": 52}
